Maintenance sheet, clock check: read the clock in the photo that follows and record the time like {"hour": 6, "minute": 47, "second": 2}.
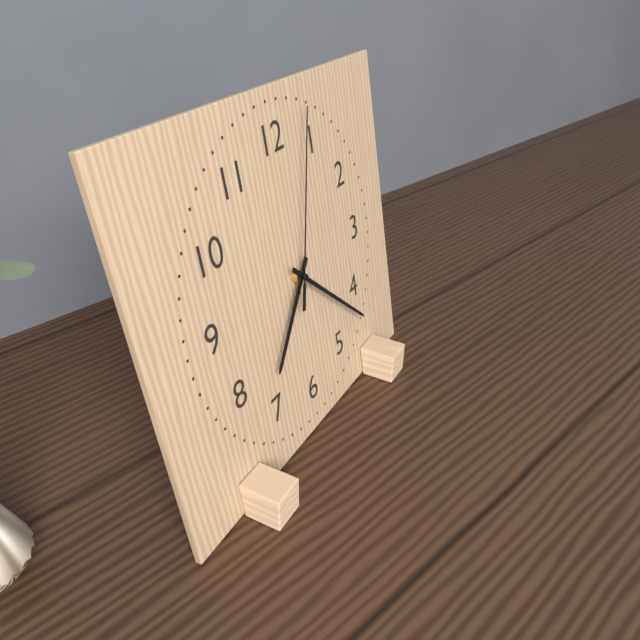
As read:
{"hour": 7, "minute": 22, "second": 3}
